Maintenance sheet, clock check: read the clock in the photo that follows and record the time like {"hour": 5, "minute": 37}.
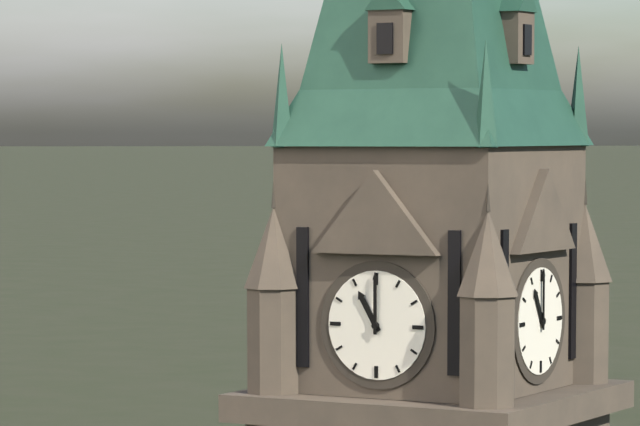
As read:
{"hour": 11, "minute": 0}
